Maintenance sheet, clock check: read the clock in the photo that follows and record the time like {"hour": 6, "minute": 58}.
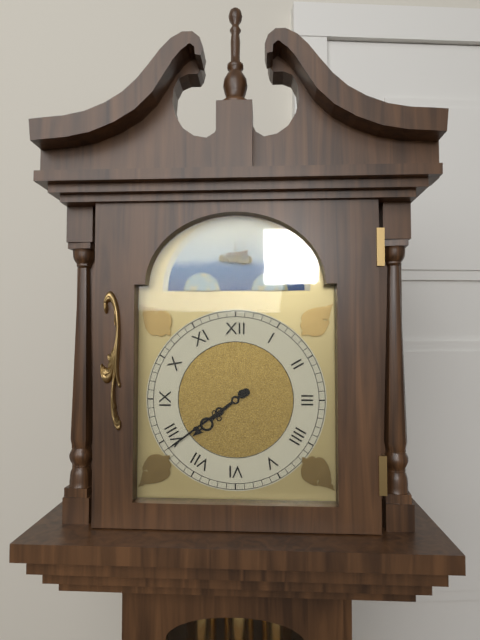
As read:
{"hour": 7, "minute": 39}
